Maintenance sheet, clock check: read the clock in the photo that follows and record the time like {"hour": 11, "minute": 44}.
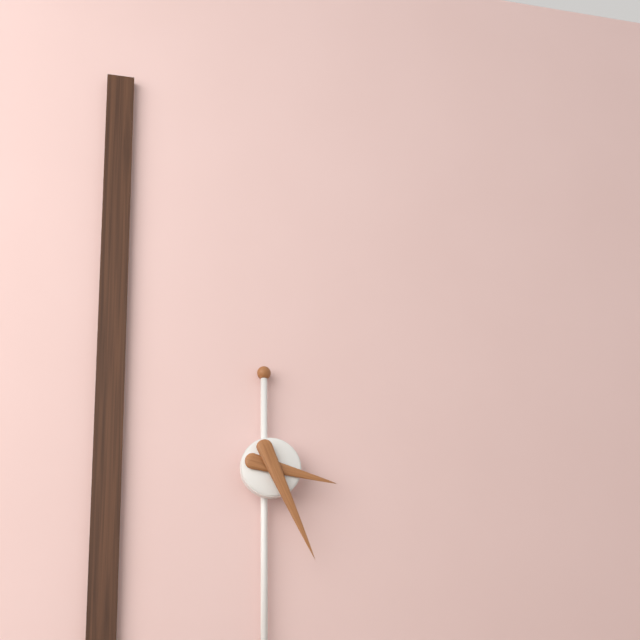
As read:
{"hour": 3, "minute": 26}
